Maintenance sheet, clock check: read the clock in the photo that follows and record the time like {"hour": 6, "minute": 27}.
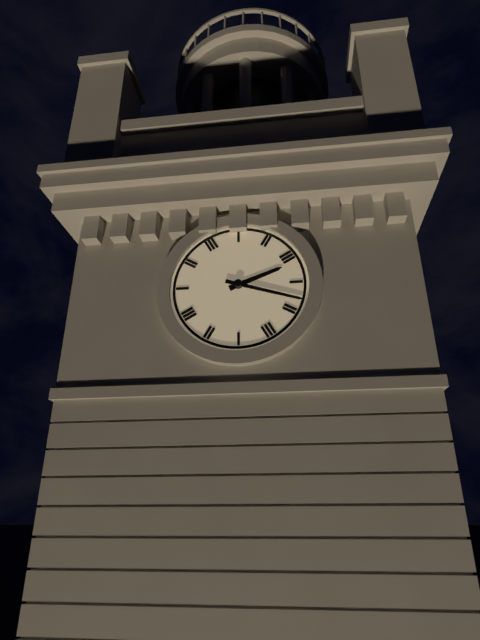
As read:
{"hour": 2, "minute": 18}
